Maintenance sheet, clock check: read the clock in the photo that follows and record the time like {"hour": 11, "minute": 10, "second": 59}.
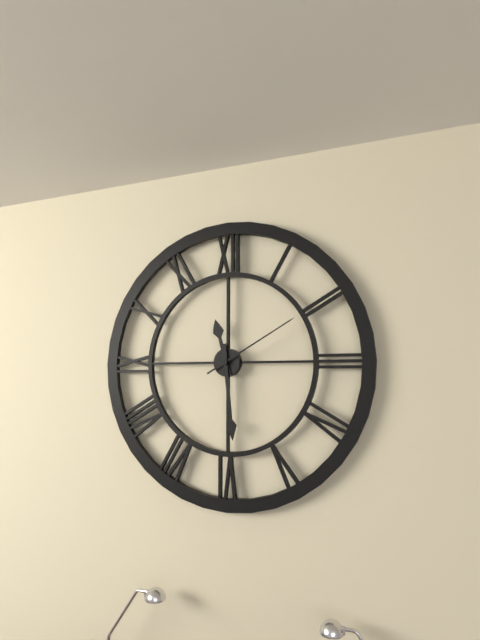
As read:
{"hour": 11, "minute": 29, "second": 10}
